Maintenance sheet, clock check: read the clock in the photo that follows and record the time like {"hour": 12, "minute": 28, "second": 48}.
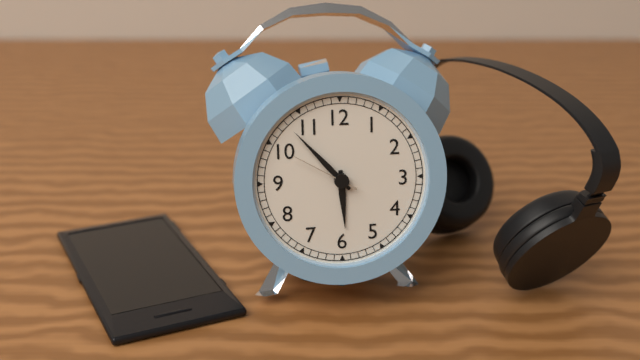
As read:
{"hour": 5, "minute": 53, "second": 50}
